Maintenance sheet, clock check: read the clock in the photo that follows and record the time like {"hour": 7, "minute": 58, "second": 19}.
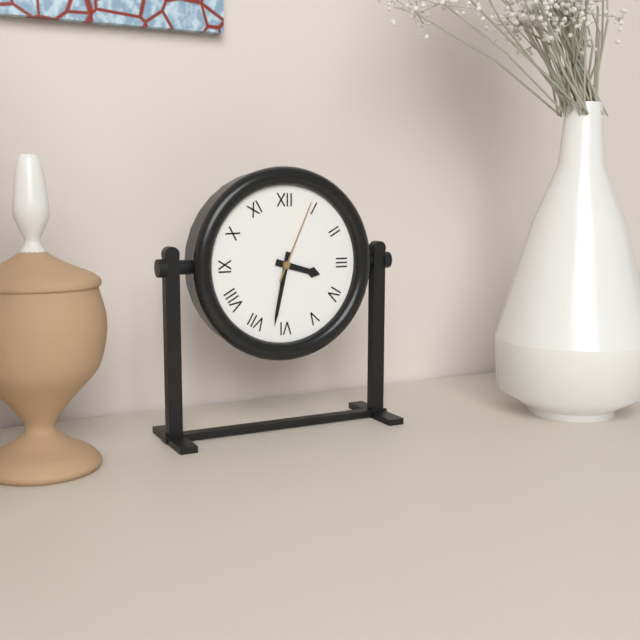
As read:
{"hour": 3, "minute": 32, "second": 4}
